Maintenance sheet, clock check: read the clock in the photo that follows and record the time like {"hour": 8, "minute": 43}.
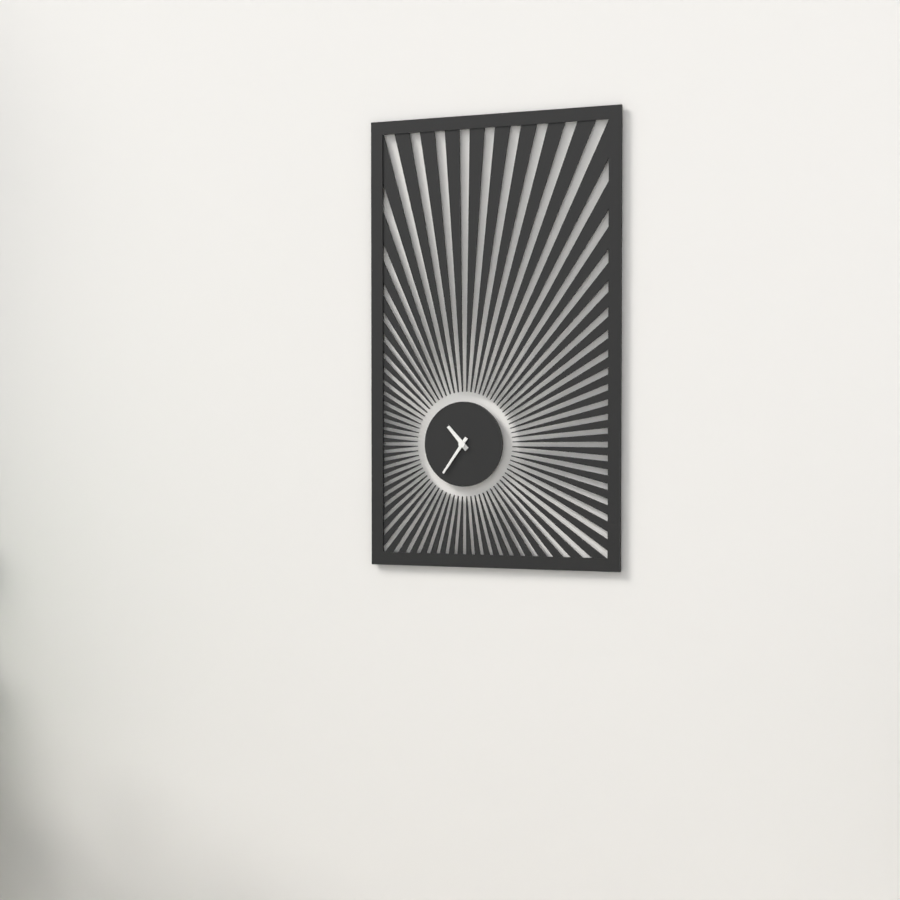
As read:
{"hour": 10, "minute": 36}
